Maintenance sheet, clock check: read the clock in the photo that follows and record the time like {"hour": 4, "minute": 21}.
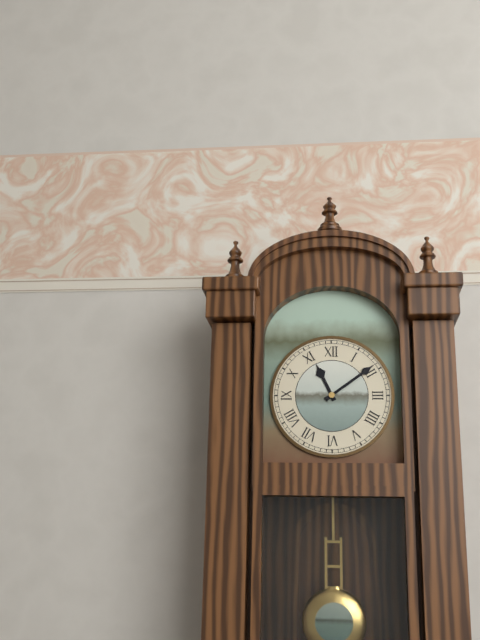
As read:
{"hour": 11, "minute": 9}
